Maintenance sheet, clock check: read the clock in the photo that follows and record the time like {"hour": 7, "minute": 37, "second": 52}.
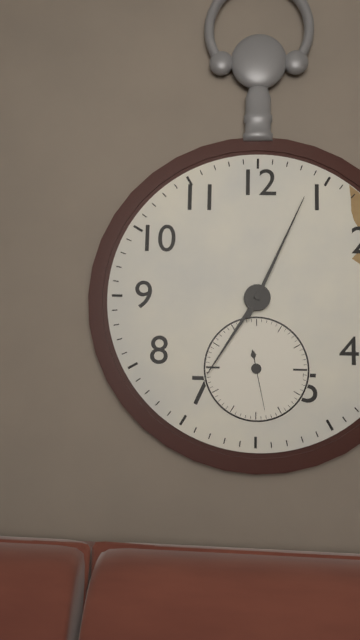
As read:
{"hour": 7, "minute": 4, "second": 28}
